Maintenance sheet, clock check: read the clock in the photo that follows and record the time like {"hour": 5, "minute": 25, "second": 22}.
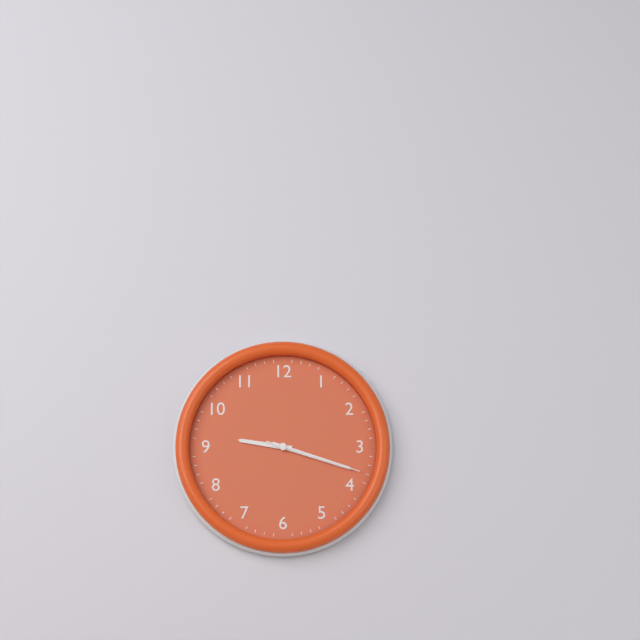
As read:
{"hour": 9, "minute": 18, "second": 18}
